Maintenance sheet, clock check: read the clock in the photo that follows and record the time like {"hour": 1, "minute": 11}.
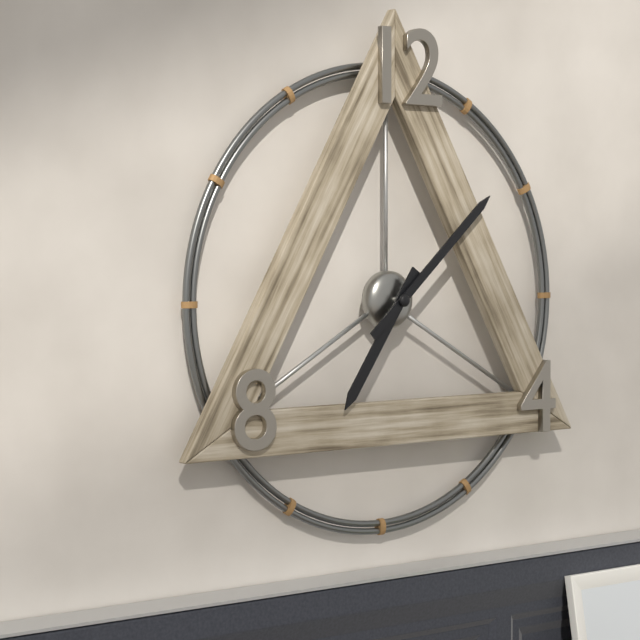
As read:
{"hour": 7, "minute": 8}
